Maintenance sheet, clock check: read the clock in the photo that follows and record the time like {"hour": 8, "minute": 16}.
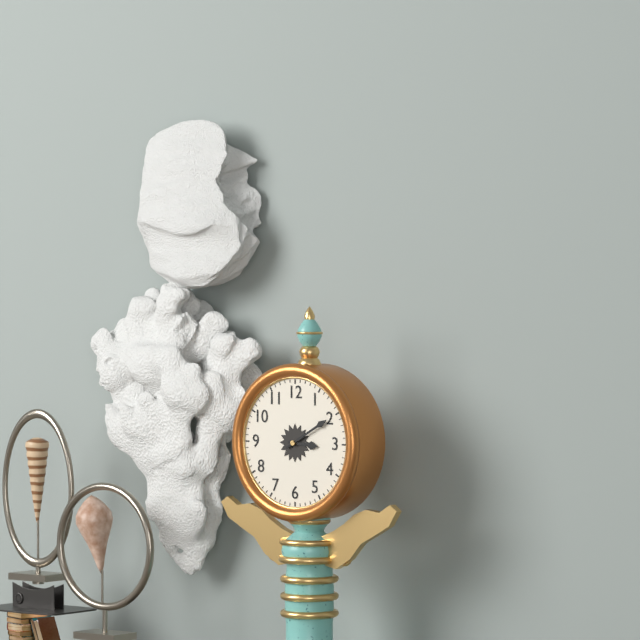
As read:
{"hour": 3, "minute": 10}
